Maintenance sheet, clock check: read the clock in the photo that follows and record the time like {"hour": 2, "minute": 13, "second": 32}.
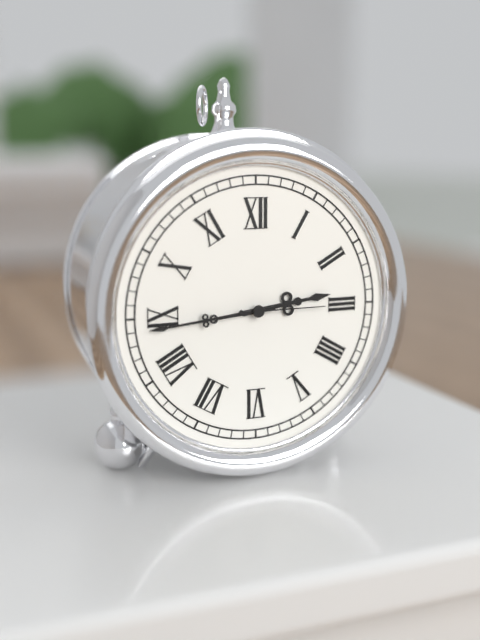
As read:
{"hour": 2, "minute": 44, "second": 15}
